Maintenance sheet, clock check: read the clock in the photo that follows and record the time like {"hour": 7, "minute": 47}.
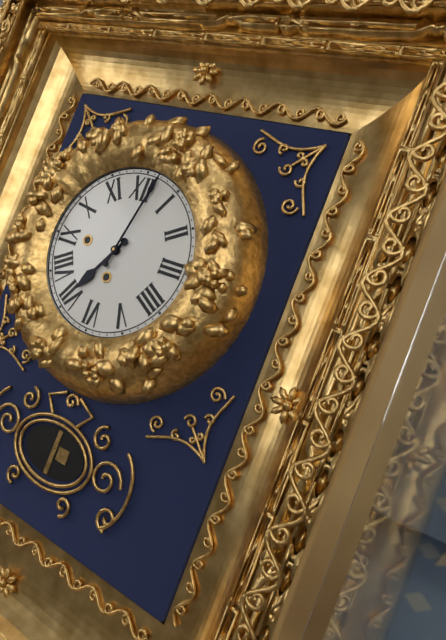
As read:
{"hour": 7, "minute": 2}
